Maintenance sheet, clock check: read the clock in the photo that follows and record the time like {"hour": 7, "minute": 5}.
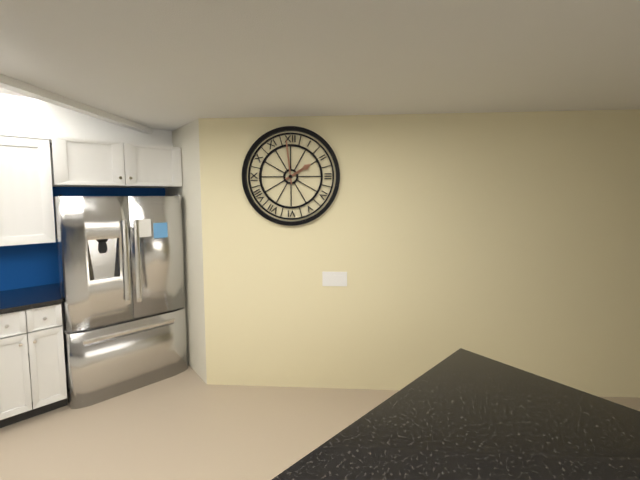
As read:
{"hour": 1, "minute": 59}
